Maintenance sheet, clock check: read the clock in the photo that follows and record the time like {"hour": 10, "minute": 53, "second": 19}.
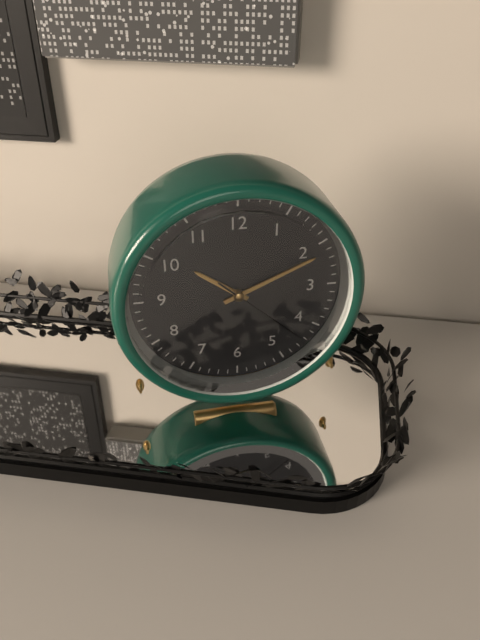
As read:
{"hour": 10, "minute": 11, "second": 22}
